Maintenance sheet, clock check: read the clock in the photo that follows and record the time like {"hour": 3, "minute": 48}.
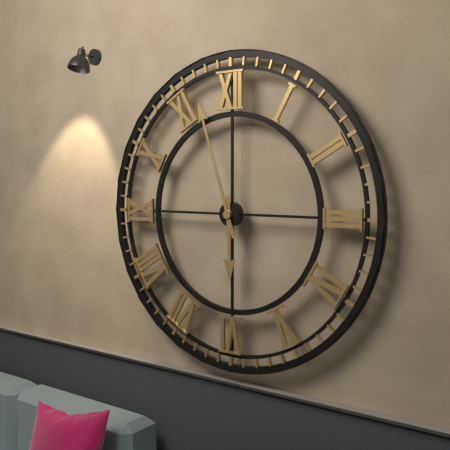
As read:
{"hour": 5, "minute": 57}
